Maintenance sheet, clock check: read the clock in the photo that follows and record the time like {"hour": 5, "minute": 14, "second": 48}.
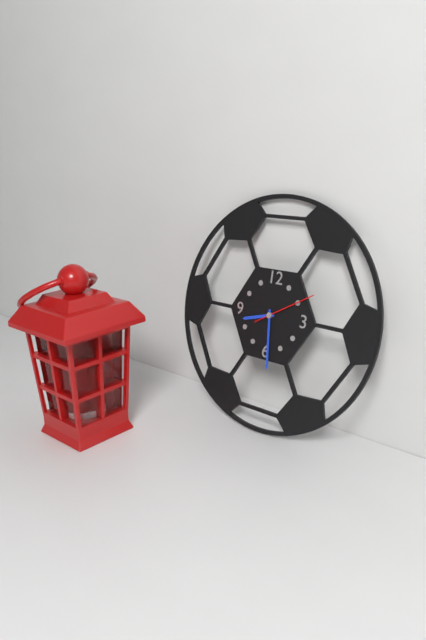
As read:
{"hour": 8, "minute": 29, "second": 10}
